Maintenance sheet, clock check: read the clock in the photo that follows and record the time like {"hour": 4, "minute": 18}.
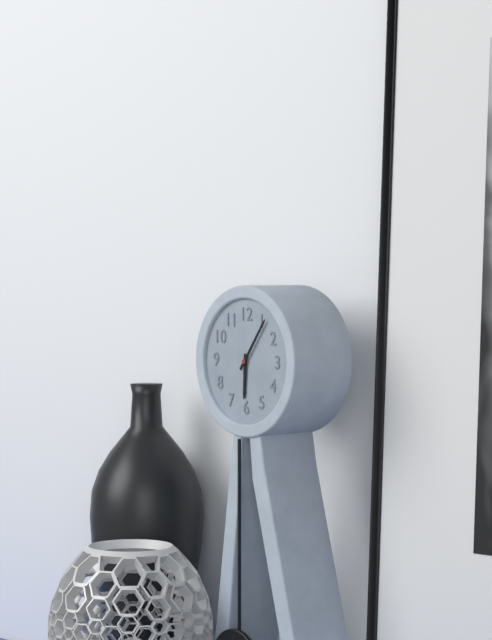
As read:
{"hour": 6, "minute": 6}
